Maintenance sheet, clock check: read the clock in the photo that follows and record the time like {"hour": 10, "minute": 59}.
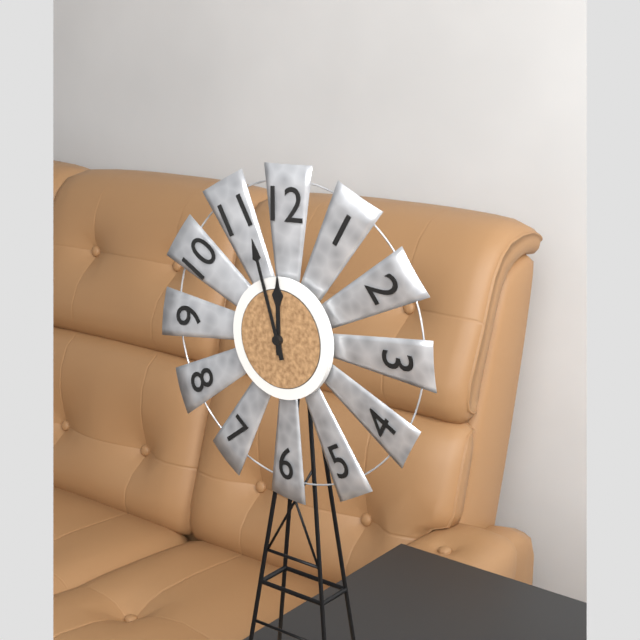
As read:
{"hour": 11, "minute": 57}
